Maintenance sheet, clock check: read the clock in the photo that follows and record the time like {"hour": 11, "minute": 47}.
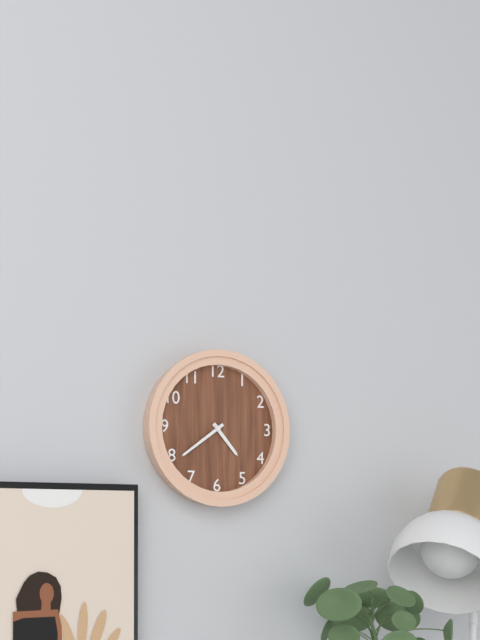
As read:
{"hour": 4, "minute": 39}
